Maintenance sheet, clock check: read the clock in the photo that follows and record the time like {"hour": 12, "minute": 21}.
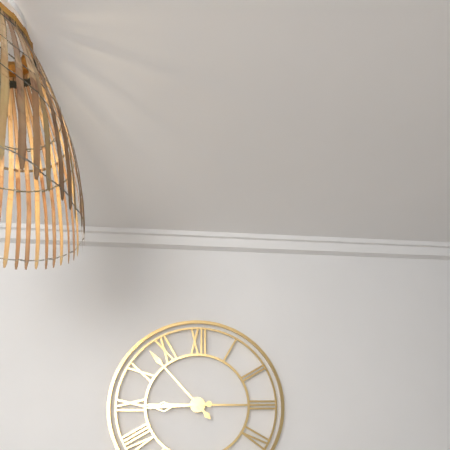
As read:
{"hour": 8, "minute": 53}
